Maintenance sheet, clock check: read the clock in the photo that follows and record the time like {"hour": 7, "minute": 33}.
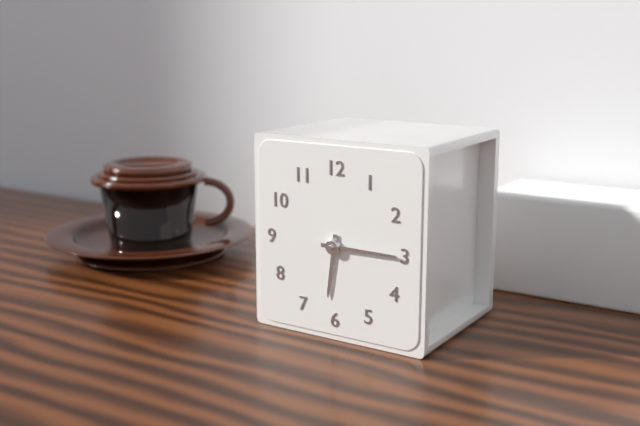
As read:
{"hour": 6, "minute": 15}
